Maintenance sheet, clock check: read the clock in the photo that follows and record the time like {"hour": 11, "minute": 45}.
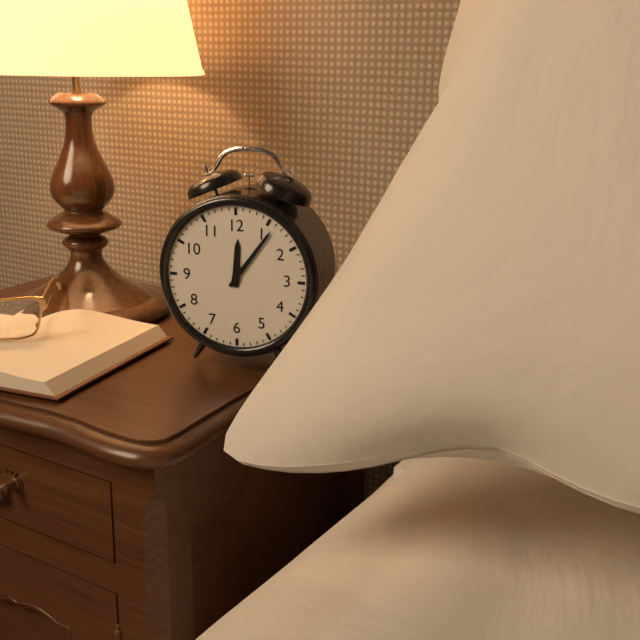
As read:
{"hour": 12, "minute": 6}
